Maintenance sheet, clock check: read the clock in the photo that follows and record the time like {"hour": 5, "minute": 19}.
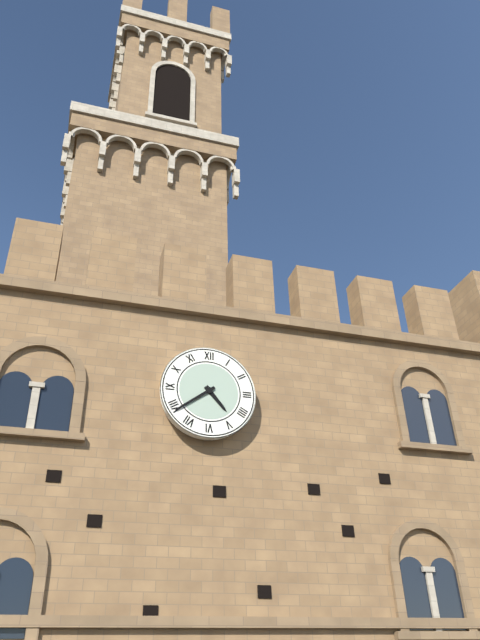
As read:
{"hour": 4, "minute": 39}
